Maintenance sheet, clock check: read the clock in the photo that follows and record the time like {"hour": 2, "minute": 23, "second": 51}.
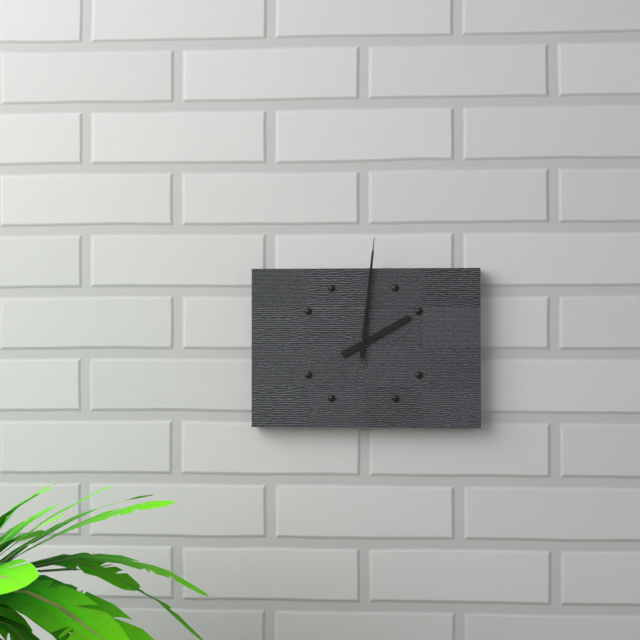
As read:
{"hour": 2, "minute": 1, "second": 1}
